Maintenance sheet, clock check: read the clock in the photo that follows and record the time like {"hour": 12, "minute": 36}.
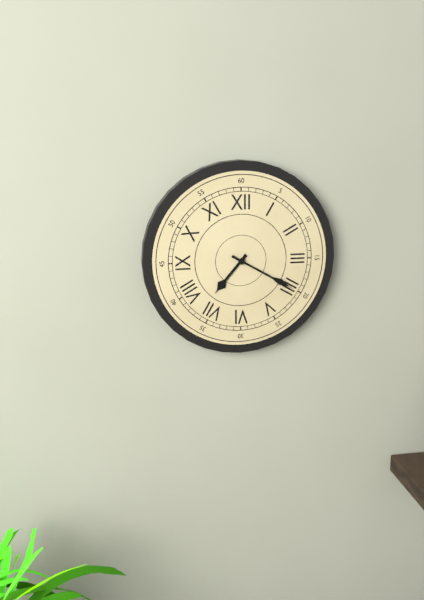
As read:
{"hour": 7, "minute": 20}
